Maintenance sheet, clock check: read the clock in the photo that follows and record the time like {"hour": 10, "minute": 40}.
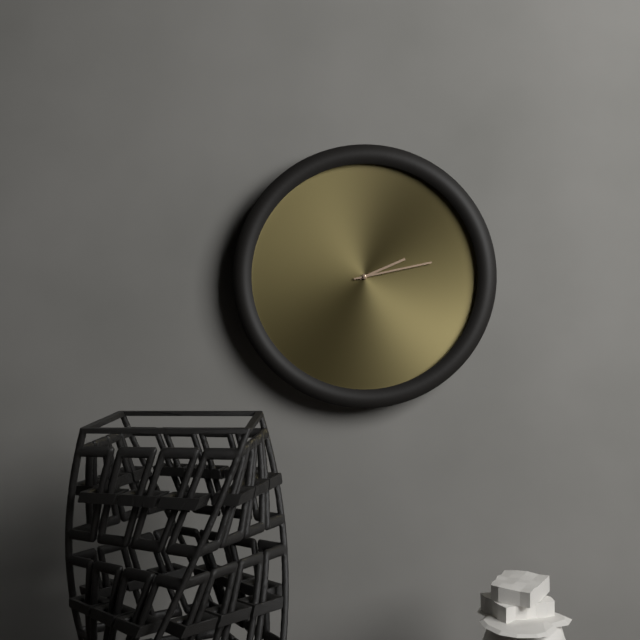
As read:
{"hour": 2, "minute": 13}
